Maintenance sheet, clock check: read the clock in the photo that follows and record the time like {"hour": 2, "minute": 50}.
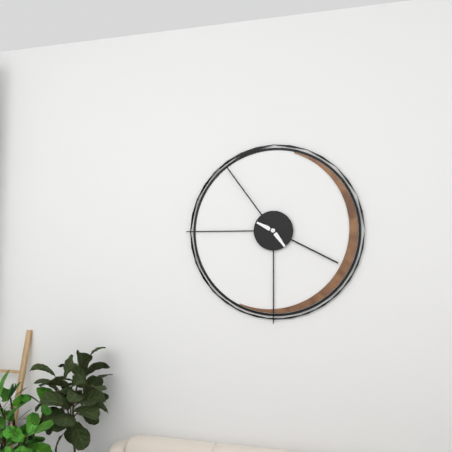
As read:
{"hour": 3, "minute": 54}
